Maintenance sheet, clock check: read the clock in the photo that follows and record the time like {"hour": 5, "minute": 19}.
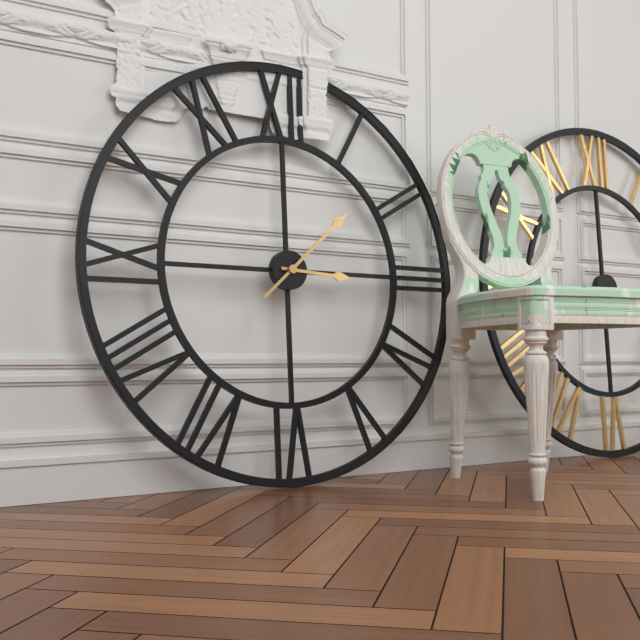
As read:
{"hour": 3, "minute": 8}
